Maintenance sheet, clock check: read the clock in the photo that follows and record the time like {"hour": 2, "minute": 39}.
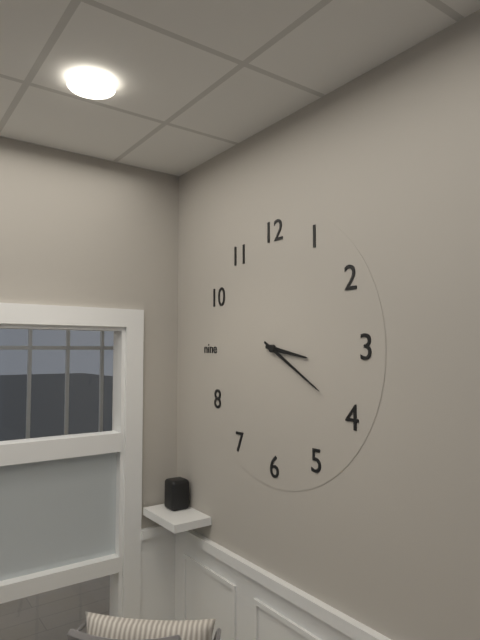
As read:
{"hour": 3, "minute": 20}
